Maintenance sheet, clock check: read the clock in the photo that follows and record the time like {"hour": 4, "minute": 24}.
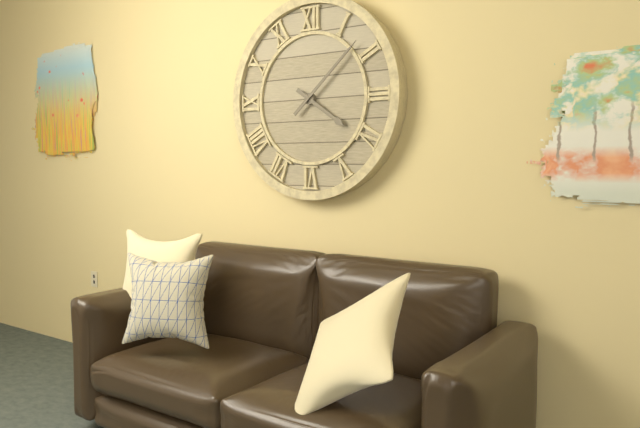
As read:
{"hour": 4, "minute": 8}
